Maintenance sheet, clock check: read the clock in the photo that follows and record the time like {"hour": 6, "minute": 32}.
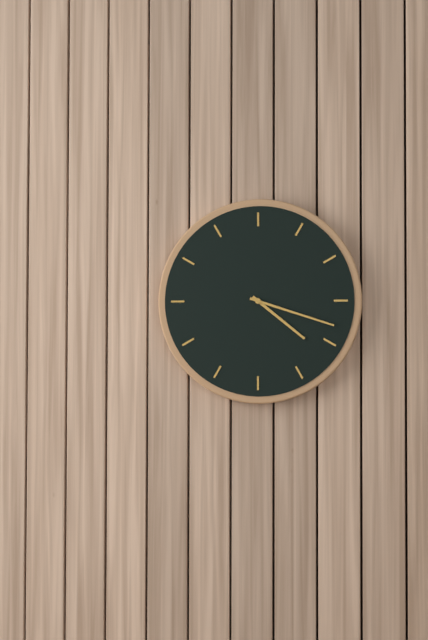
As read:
{"hour": 4, "minute": 18}
